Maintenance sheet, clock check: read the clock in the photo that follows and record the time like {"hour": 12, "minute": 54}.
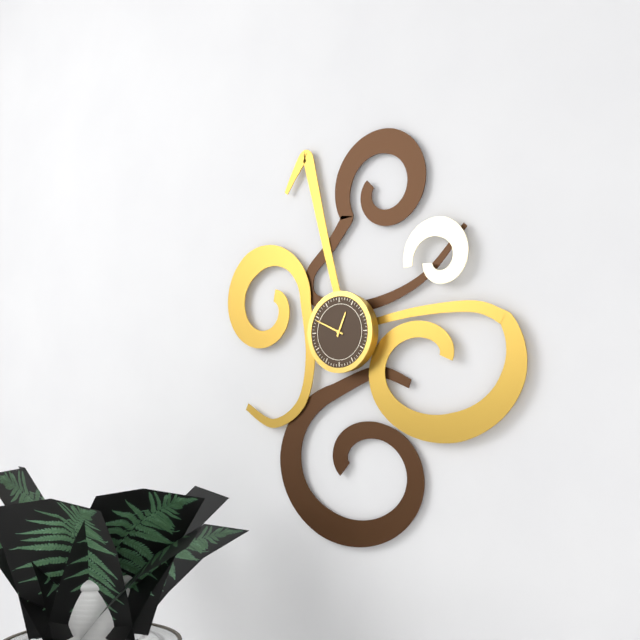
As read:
{"hour": 12, "minute": 49}
